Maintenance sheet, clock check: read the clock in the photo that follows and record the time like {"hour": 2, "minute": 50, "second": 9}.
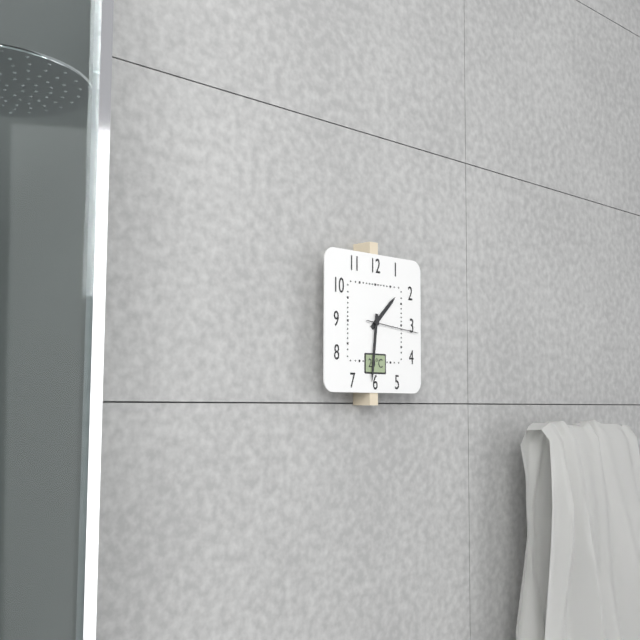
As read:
{"hour": 1, "minute": 31, "second": 16}
